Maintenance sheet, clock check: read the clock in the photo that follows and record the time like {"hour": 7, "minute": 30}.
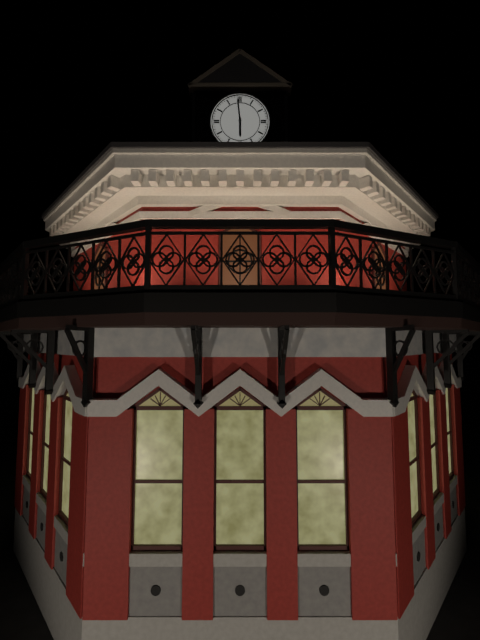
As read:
{"hour": 5, "minute": 59}
